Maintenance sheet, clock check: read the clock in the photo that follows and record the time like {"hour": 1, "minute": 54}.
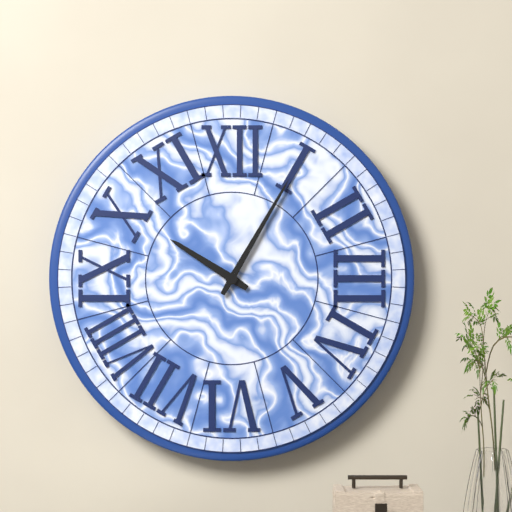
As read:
{"hour": 10, "minute": 5}
